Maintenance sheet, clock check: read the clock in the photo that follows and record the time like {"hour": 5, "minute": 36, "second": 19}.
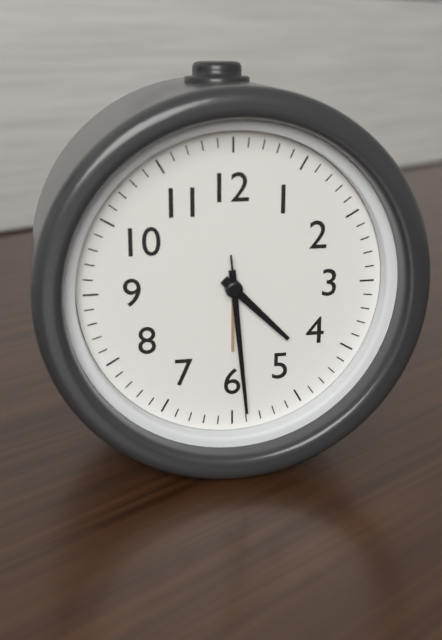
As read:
{"hour": 4, "minute": 29, "second": 29}
